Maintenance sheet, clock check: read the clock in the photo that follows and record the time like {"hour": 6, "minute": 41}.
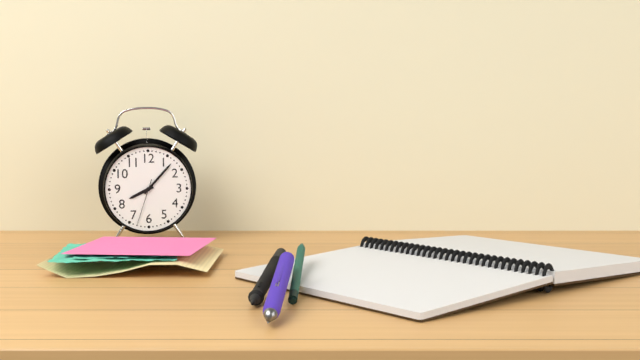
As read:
{"hour": 8, "minute": 7}
